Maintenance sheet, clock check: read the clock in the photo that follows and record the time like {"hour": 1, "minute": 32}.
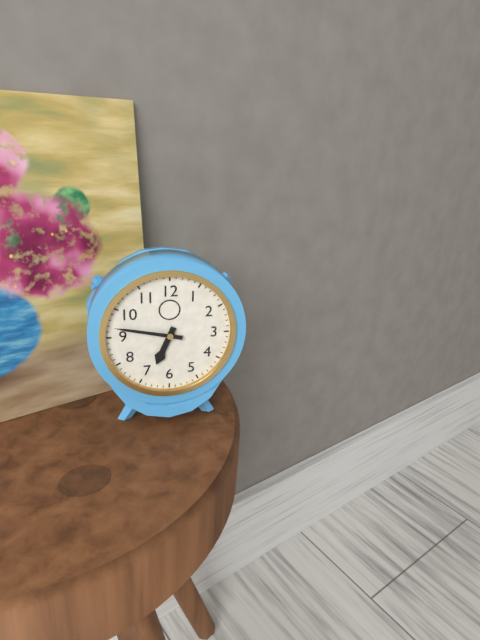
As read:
{"hour": 6, "minute": 47}
